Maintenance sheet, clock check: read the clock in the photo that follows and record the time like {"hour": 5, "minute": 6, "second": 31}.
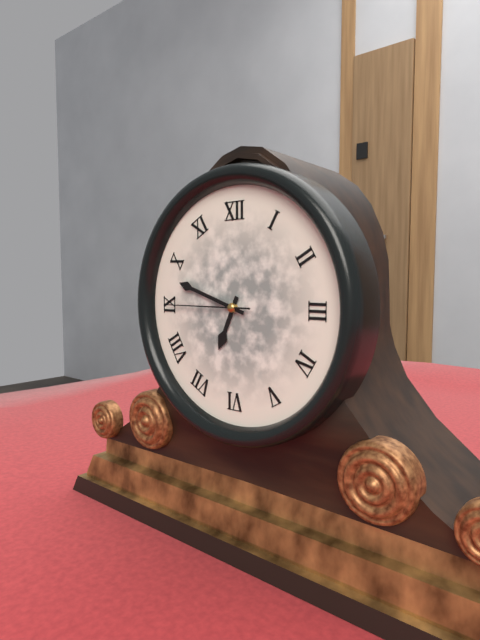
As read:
{"hour": 6, "minute": 48, "second": 45}
